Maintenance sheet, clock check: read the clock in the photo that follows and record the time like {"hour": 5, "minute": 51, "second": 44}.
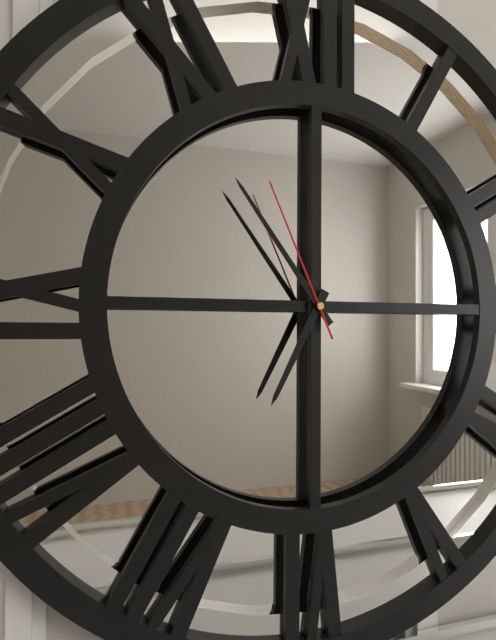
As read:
{"hour": 6, "minute": 54, "second": 56}
